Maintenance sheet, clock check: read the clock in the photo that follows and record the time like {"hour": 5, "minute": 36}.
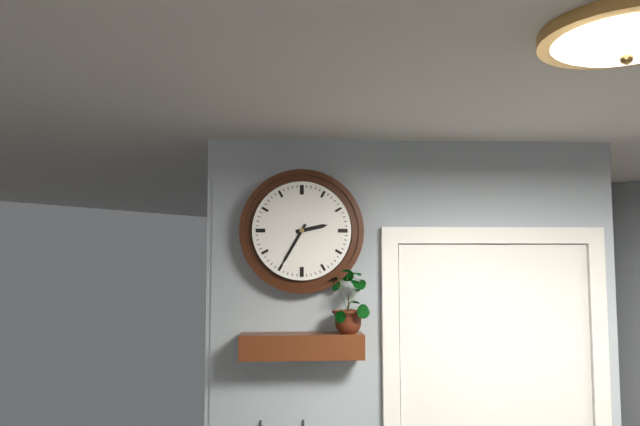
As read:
{"hour": 2, "minute": 35}
